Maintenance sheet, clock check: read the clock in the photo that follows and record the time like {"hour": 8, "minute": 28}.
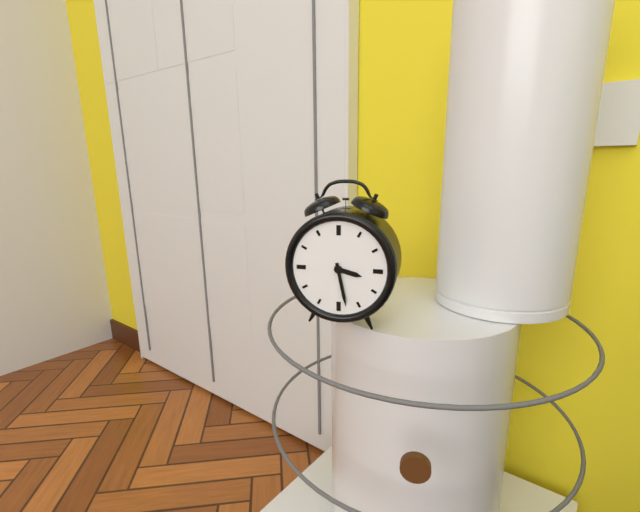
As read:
{"hour": 3, "minute": 28}
